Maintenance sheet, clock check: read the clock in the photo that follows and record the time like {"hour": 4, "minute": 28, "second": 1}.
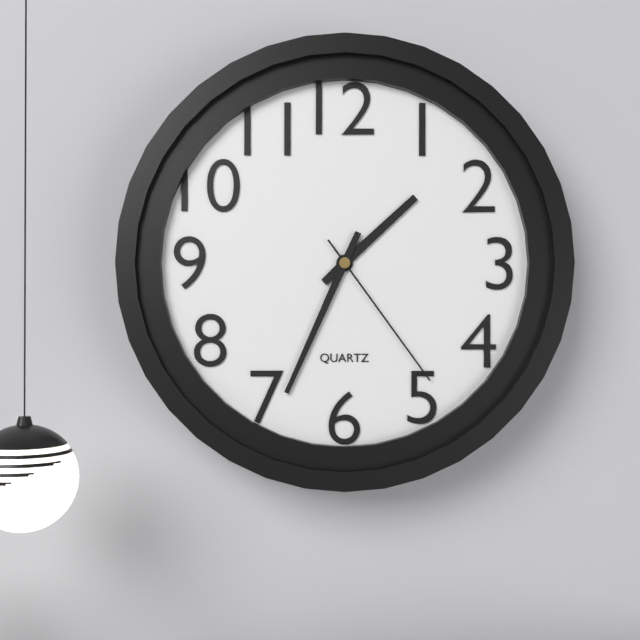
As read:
{"hour": 1, "minute": 34, "second": 24}
